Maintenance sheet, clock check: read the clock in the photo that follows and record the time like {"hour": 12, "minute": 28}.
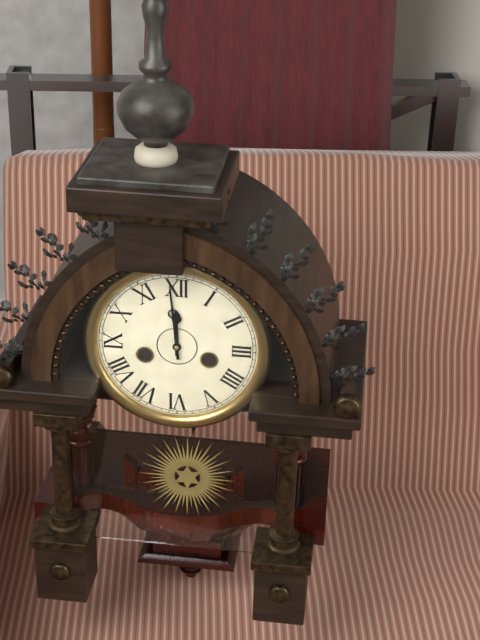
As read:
{"hour": 11, "minute": 59}
